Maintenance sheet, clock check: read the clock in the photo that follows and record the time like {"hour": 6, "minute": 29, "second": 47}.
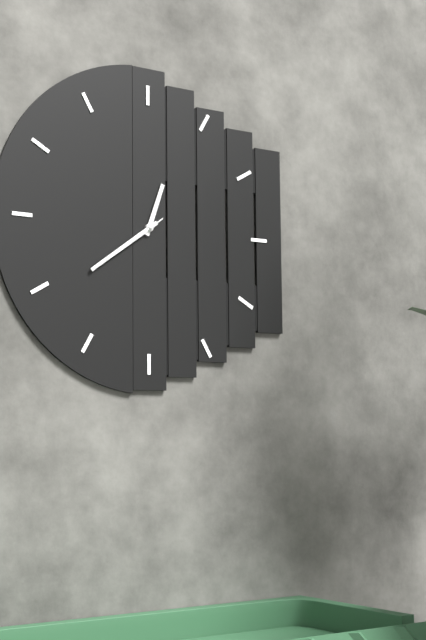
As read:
{"hour": 12, "minute": 39, "second": 39}
